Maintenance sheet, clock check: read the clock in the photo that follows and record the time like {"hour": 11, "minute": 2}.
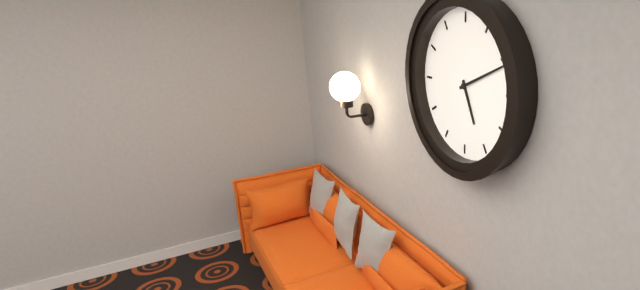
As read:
{"hour": 5, "minute": 11}
